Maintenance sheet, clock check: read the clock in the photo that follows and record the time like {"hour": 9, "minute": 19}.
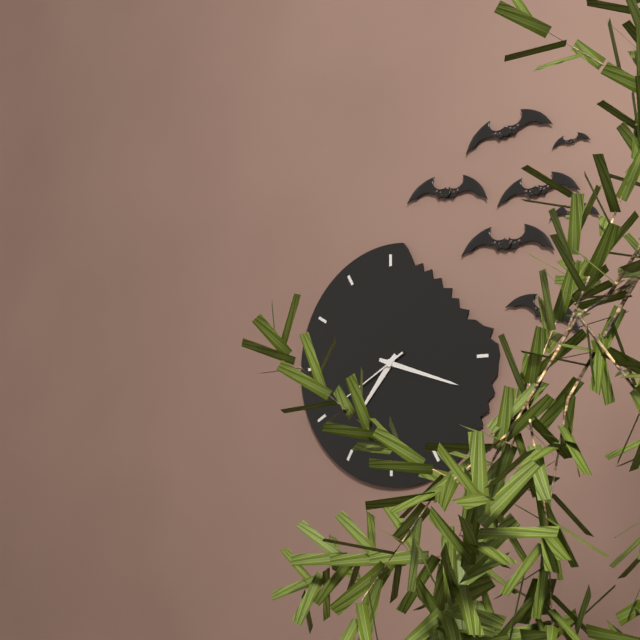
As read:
{"hour": 7, "minute": 18}
